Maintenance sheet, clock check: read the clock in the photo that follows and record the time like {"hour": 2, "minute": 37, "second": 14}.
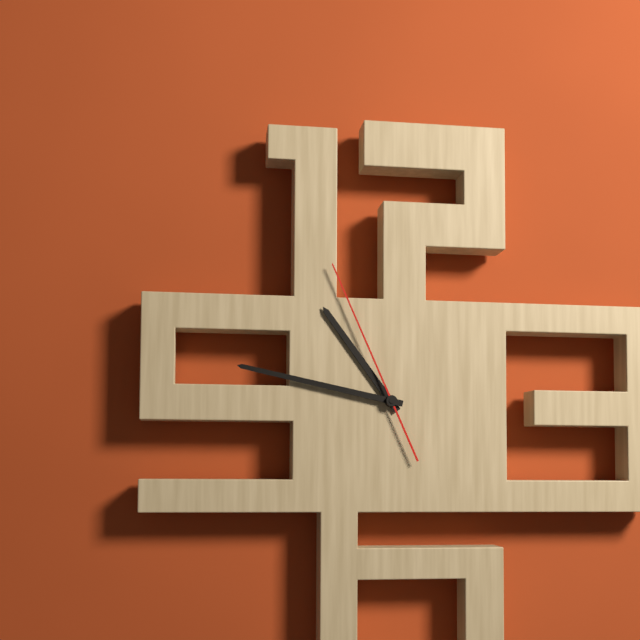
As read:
{"hour": 10, "minute": 47, "second": 56}
